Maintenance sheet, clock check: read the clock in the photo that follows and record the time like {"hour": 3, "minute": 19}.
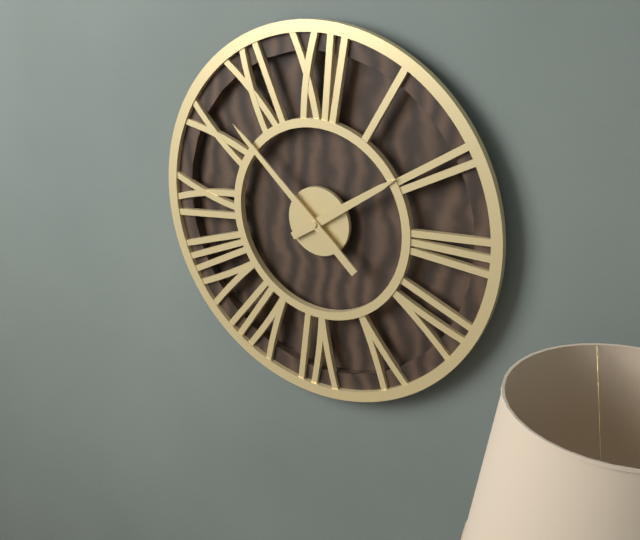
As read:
{"hour": 1, "minute": 52}
